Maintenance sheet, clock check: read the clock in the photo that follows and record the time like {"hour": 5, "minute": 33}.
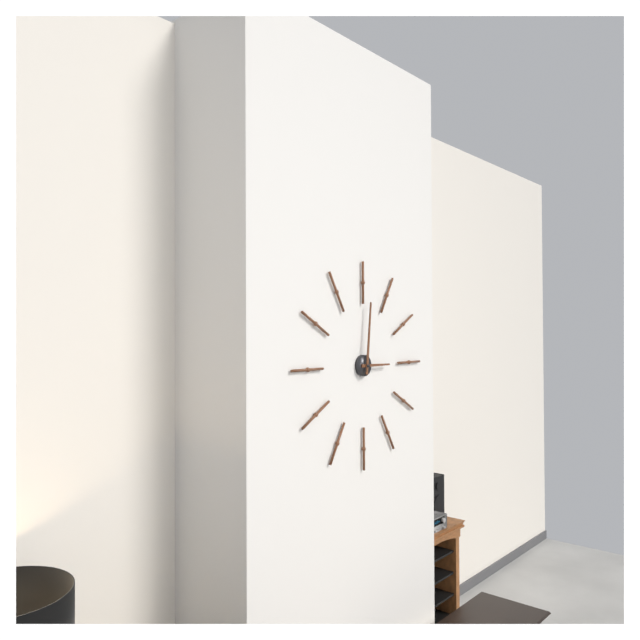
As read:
{"hour": 3, "minute": 1}
